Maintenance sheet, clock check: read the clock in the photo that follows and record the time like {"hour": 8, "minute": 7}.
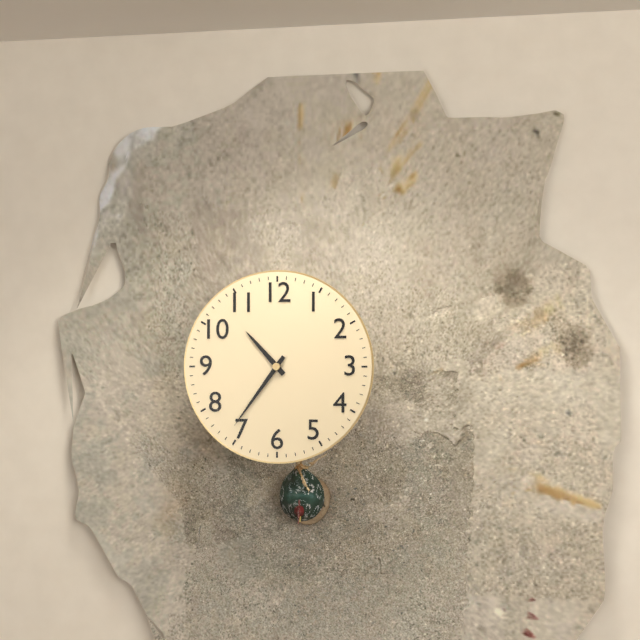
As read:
{"hour": 10, "minute": 36}
